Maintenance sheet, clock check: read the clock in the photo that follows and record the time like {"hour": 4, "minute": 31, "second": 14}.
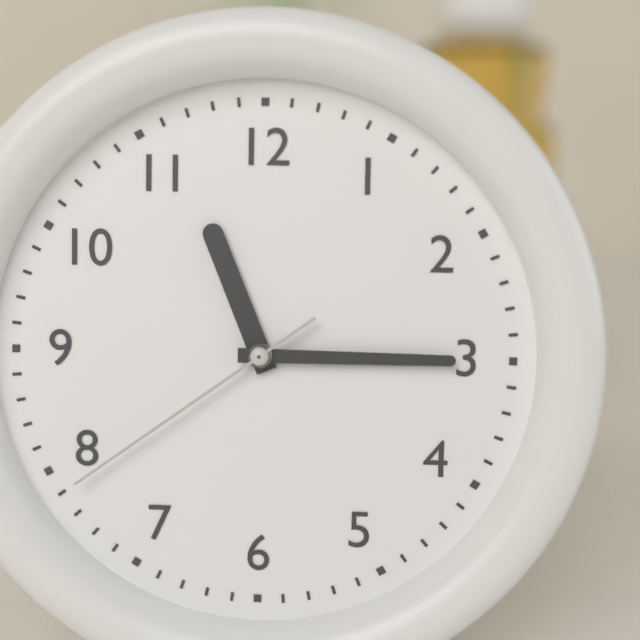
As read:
{"hour": 11, "minute": 15, "second": 39}
